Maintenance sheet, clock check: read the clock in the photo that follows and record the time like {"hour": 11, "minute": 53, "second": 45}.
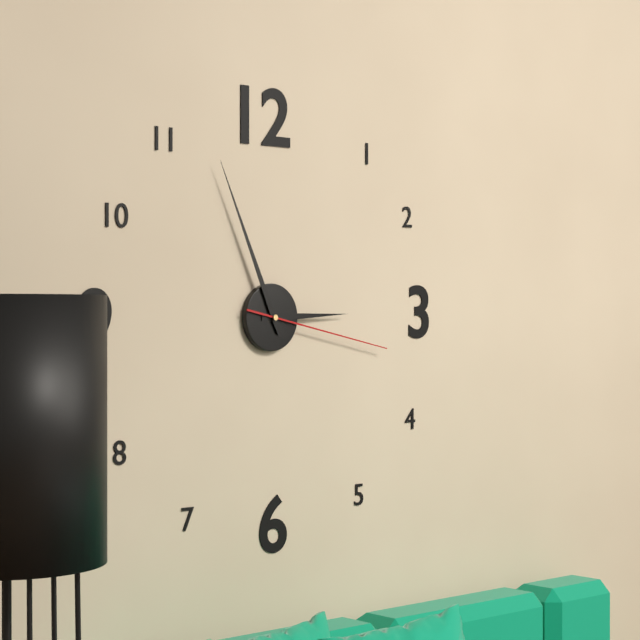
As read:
{"hour": 2, "minute": 56, "second": 17}
